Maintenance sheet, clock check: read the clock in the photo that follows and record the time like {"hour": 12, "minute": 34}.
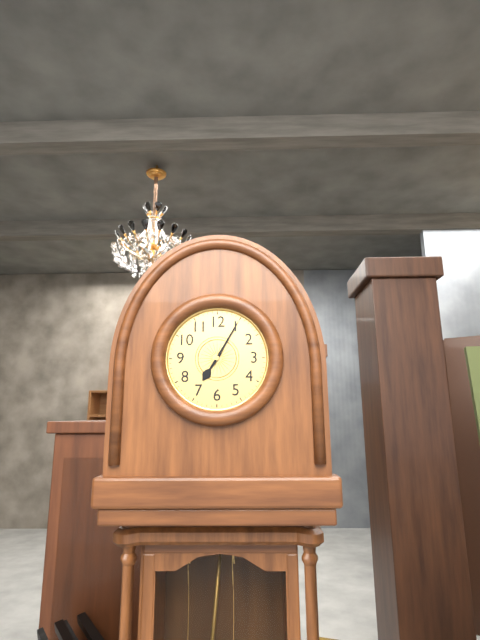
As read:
{"hour": 7, "minute": 5}
